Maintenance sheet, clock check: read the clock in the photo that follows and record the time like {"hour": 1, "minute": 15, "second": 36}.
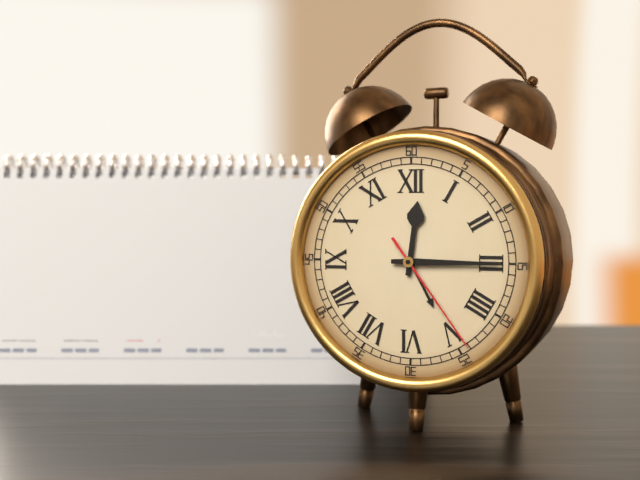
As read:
{"hour": 12, "minute": 15, "second": 24}
